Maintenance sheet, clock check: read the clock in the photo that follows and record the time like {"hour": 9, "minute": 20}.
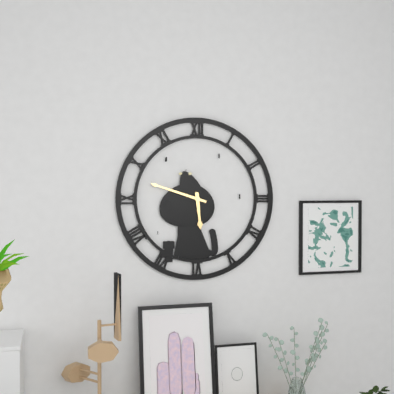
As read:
{"hour": 5, "minute": 48}
